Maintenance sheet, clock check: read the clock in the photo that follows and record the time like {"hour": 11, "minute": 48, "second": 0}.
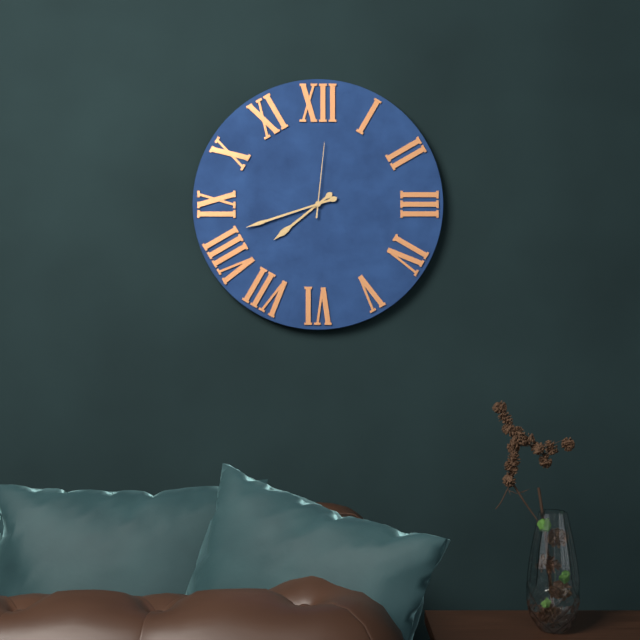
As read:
{"hour": 7, "minute": 42, "second": 1}
